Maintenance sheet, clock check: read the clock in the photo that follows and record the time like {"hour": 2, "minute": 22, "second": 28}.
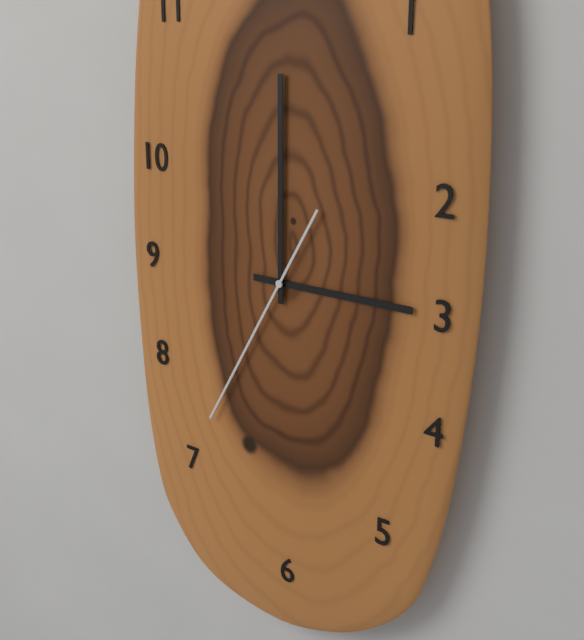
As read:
{"hour": 3, "minute": 0, "second": 35}
